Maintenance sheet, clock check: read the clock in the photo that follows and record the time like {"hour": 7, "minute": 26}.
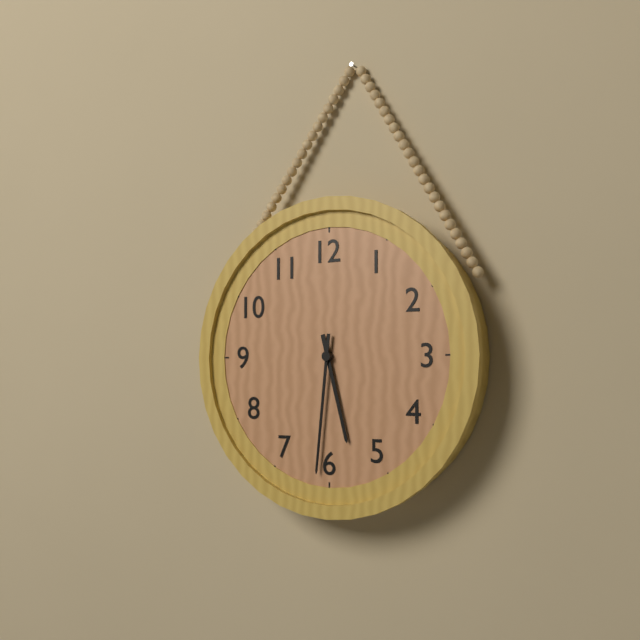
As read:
{"hour": 5, "minute": 31}
